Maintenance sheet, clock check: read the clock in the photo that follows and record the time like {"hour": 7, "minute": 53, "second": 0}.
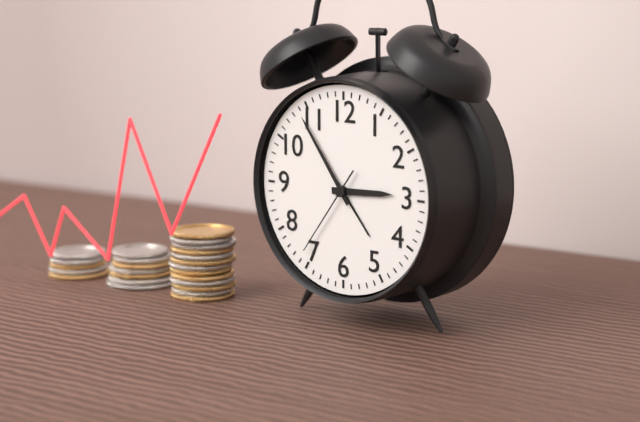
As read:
{"hour": 2, "minute": 54, "second": 36}
